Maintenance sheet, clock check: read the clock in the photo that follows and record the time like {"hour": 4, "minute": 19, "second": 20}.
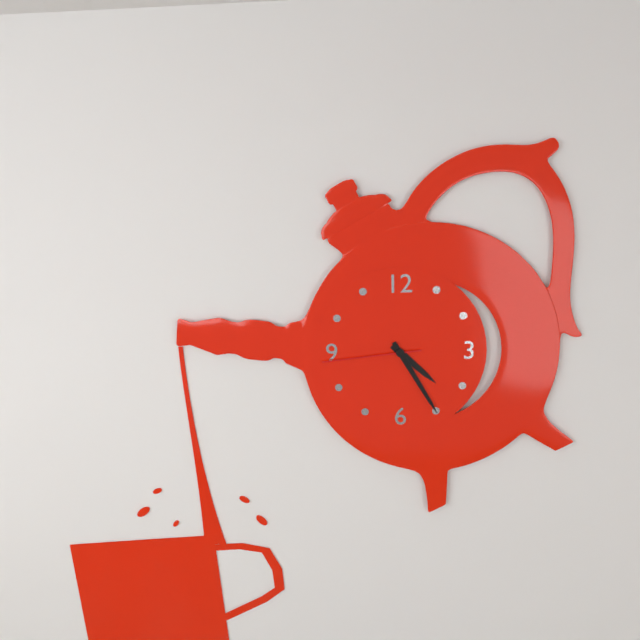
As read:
{"hour": 4, "minute": 25, "second": 44}
